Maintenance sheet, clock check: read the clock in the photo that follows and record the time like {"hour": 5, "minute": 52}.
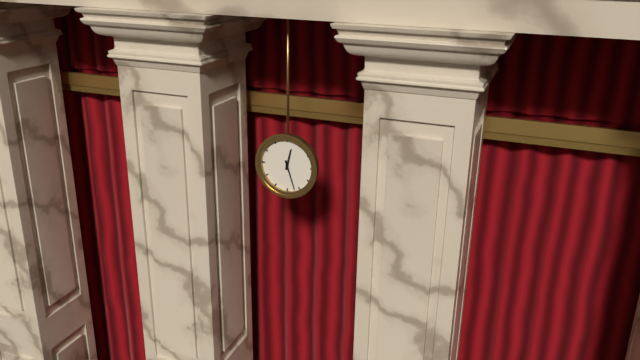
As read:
{"hour": 12, "minute": 27}
